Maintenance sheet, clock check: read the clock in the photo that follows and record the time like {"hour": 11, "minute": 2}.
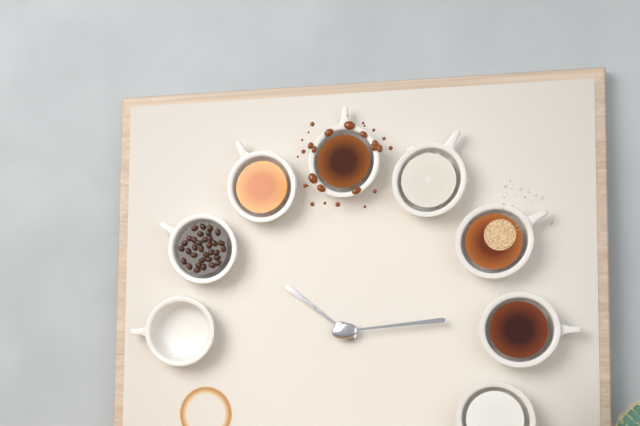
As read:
{"hour": 10, "minute": 14}
